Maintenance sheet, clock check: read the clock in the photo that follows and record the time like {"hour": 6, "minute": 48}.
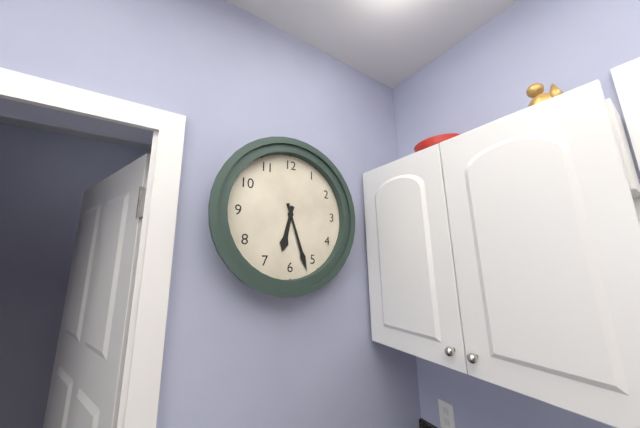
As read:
{"hour": 6, "minute": 27}
